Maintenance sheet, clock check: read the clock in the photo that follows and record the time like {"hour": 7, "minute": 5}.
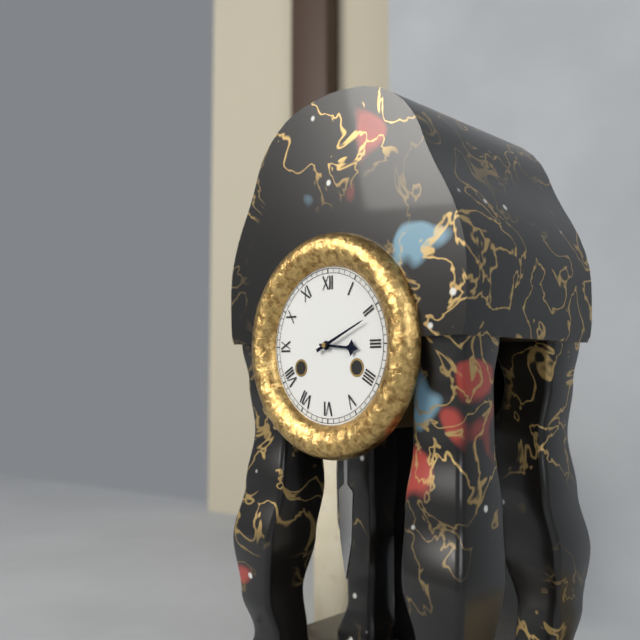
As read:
{"hour": 3, "minute": 11}
